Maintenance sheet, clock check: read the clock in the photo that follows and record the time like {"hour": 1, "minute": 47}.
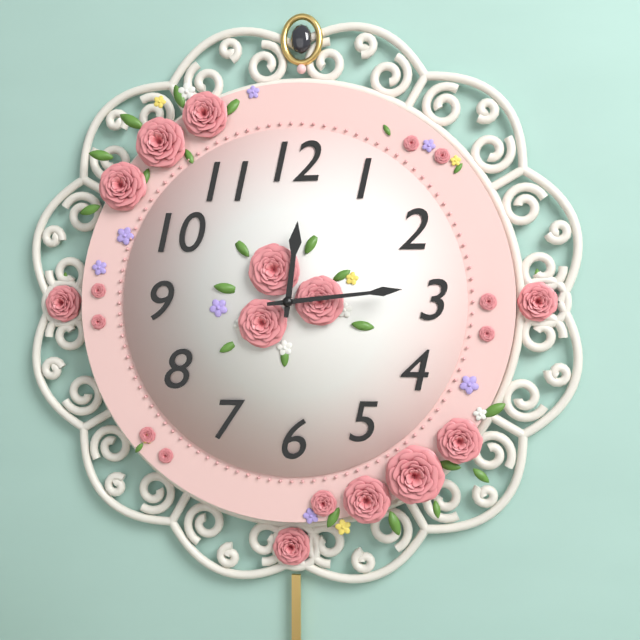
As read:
{"hour": 12, "minute": 14}
